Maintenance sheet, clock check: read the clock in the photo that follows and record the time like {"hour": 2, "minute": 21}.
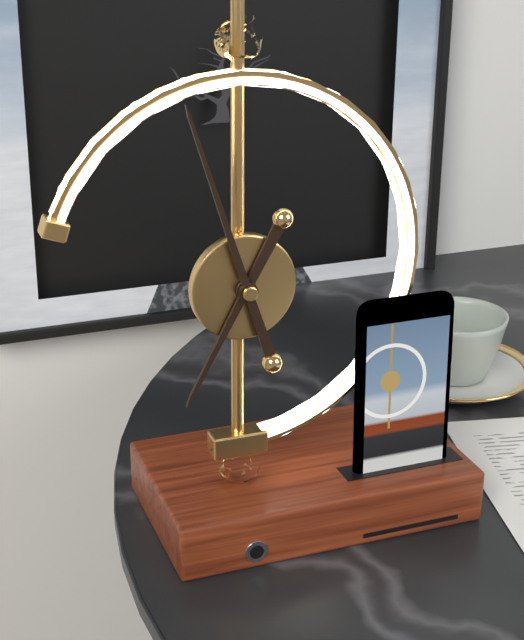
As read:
{"hour": 6, "minute": 57}
